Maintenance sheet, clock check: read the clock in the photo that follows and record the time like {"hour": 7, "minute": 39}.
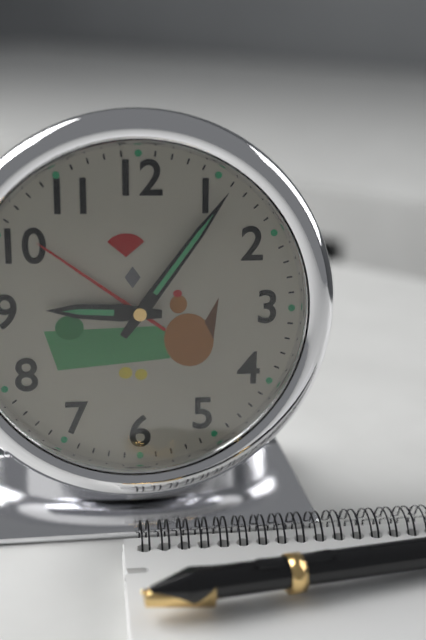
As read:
{"hour": 9, "minute": 6}
